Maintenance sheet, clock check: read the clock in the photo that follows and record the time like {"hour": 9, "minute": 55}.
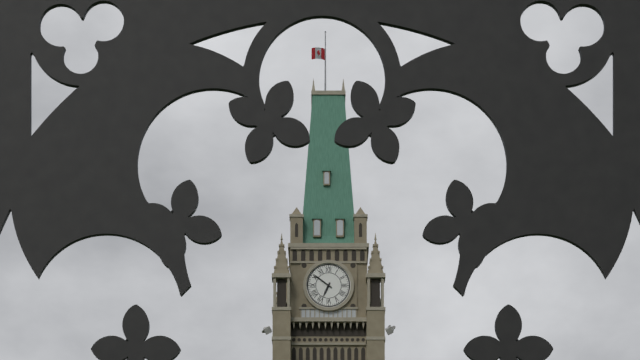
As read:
{"hour": 6, "minute": 51}
